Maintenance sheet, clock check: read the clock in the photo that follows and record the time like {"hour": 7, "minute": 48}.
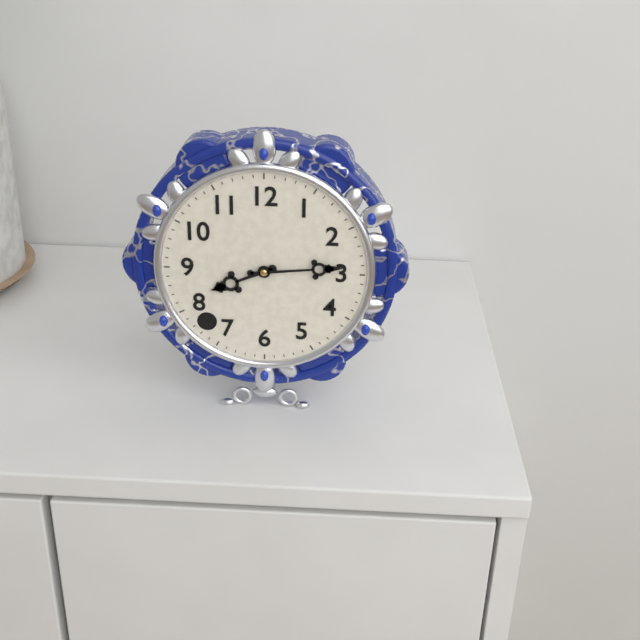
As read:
{"hour": 8, "minute": 14}
